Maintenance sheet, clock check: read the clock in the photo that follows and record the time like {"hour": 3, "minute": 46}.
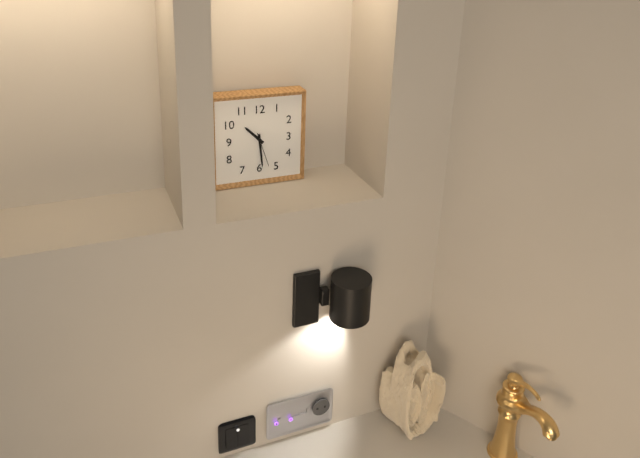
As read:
{"hour": 10, "minute": 29}
